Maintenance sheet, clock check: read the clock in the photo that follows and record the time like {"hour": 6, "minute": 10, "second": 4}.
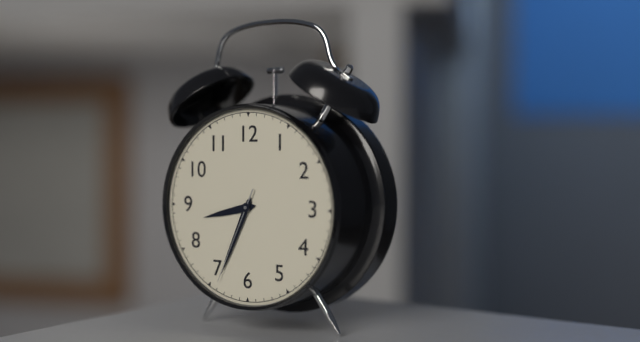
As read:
{"hour": 8, "minute": 34, "second": 34}
